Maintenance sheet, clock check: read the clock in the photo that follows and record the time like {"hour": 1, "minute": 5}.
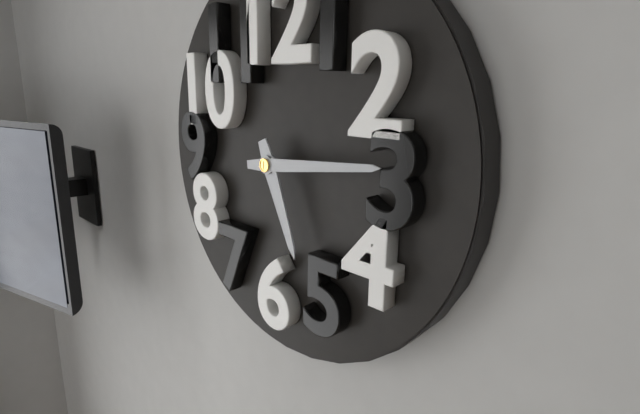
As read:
{"hour": 5, "minute": 14}
